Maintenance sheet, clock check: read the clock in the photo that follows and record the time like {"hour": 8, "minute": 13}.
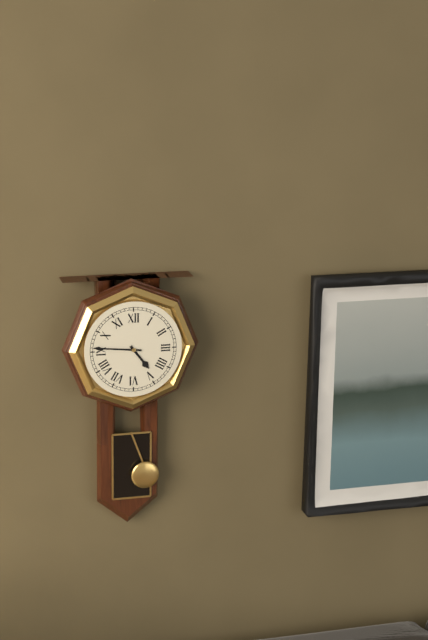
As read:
{"hour": 4, "minute": 46}
